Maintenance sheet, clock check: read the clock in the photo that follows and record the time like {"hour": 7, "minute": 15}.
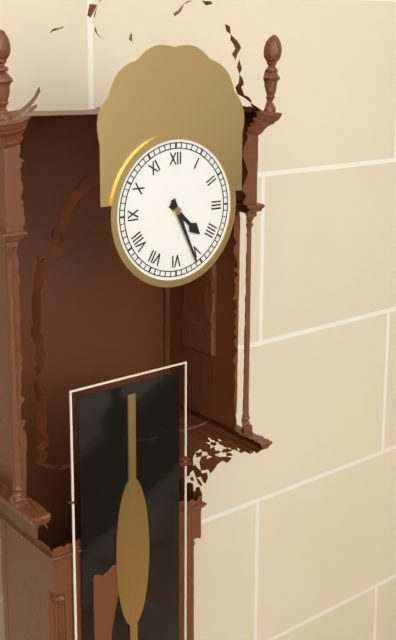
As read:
{"hour": 4, "minute": 26}
